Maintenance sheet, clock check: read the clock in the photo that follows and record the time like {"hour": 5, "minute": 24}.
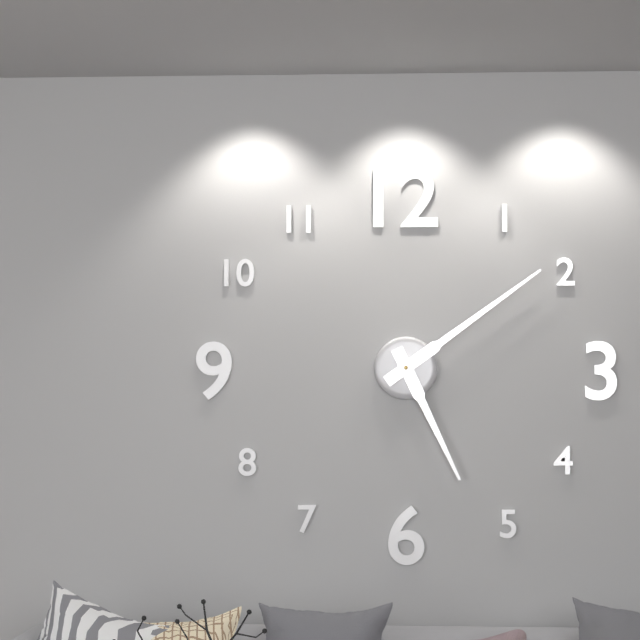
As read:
{"hour": 5, "minute": 9}
